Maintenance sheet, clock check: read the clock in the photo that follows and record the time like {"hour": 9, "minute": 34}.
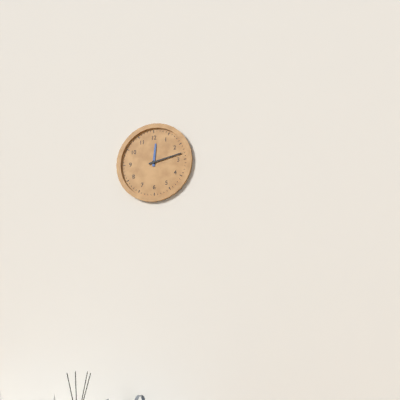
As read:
{"hour": 12, "minute": 13}
